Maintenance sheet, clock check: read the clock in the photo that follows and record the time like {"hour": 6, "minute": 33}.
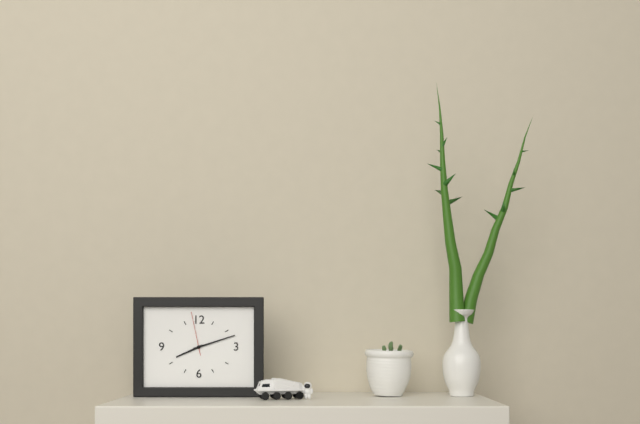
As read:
{"hour": 8, "minute": 12}
